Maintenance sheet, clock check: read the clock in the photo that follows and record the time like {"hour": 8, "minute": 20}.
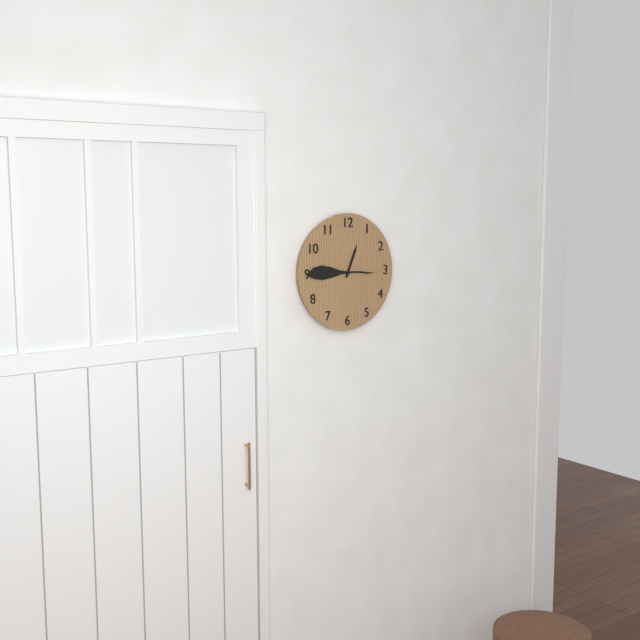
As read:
{"hour": 12, "minute": 45}
